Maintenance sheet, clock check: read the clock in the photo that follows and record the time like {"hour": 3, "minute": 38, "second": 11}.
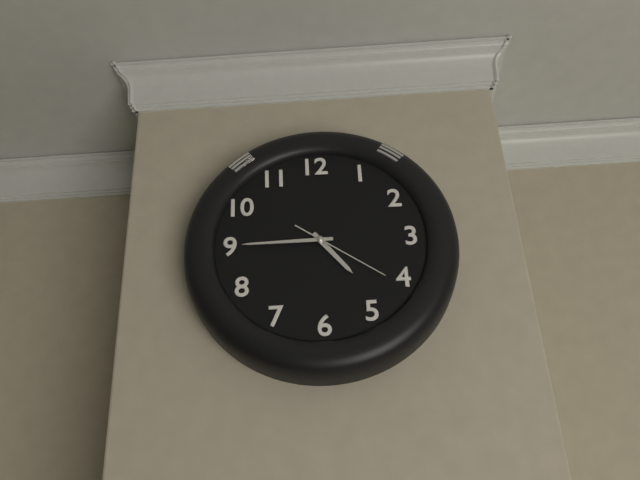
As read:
{"hour": 4, "minute": 45, "second": 21}
